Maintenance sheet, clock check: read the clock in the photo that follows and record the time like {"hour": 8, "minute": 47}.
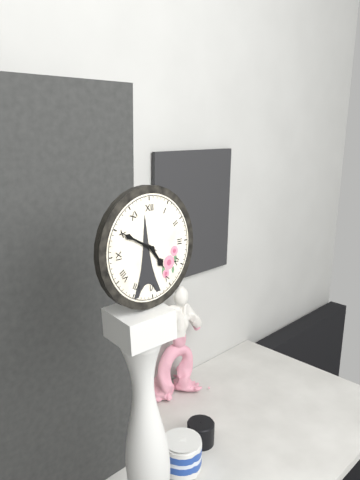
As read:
{"hour": 4, "minute": 50}
